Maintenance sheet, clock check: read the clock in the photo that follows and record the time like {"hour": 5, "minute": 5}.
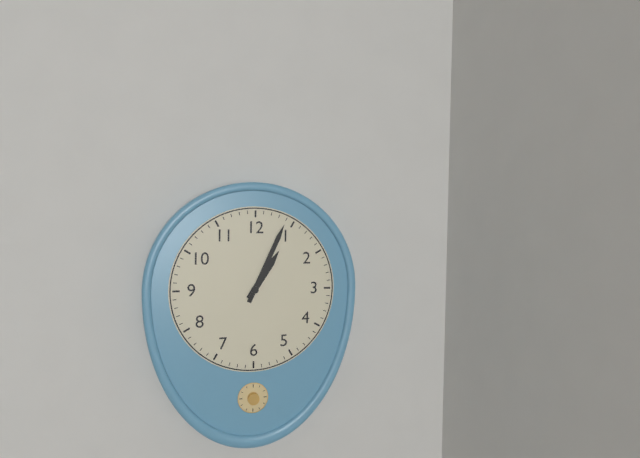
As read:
{"hour": 1, "minute": 4}
